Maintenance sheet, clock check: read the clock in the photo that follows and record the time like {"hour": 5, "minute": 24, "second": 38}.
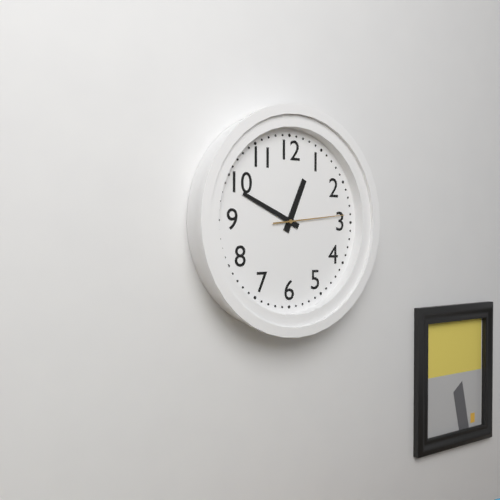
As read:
{"hour": 12, "minute": 49, "second": 14}
